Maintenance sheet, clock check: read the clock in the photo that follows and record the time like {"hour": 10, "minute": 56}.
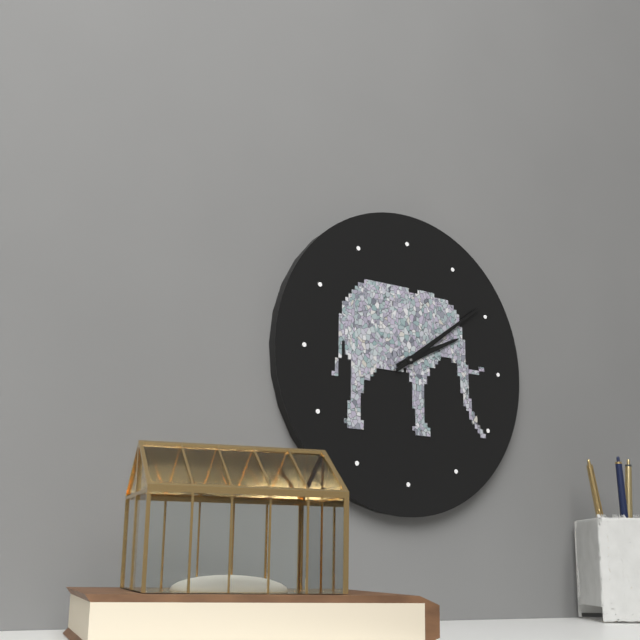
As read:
{"hour": 2, "minute": 9}
